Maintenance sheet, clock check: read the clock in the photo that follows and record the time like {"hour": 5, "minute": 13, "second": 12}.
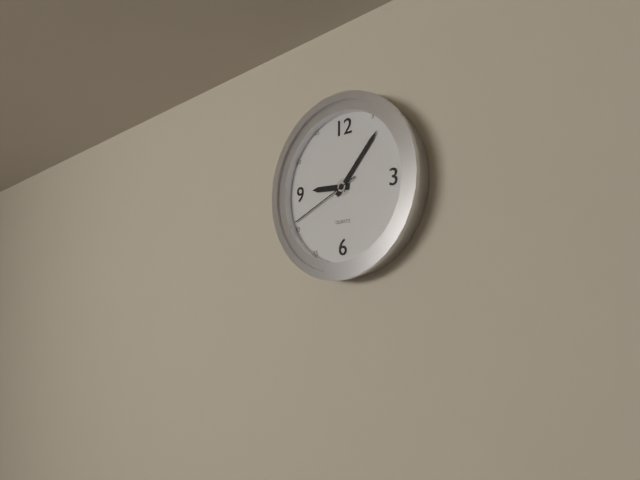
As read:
{"hour": 9, "minute": 7, "second": 41}
